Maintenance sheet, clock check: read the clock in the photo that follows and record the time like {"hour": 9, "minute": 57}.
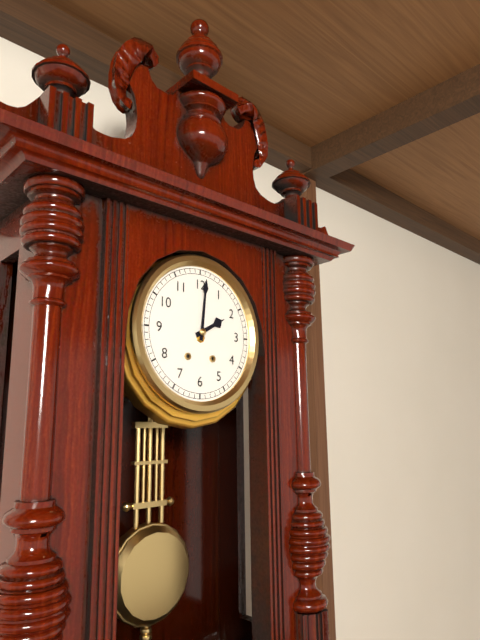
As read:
{"hour": 2, "minute": 1}
